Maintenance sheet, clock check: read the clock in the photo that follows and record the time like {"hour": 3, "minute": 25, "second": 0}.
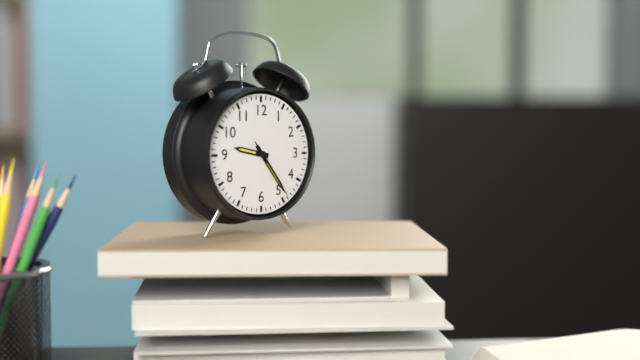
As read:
{"hour": 9, "minute": 24, "second": 24}
